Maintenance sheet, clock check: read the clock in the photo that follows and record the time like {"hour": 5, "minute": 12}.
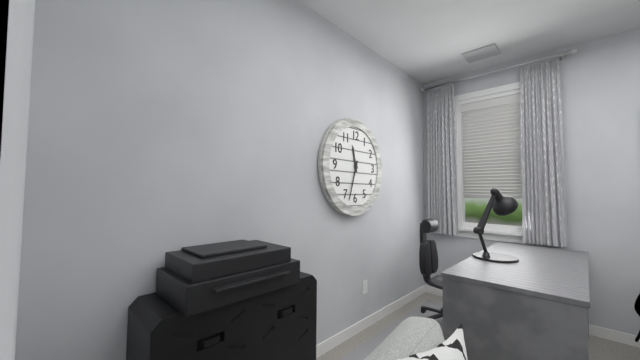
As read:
{"hour": 11, "minute": 33}
